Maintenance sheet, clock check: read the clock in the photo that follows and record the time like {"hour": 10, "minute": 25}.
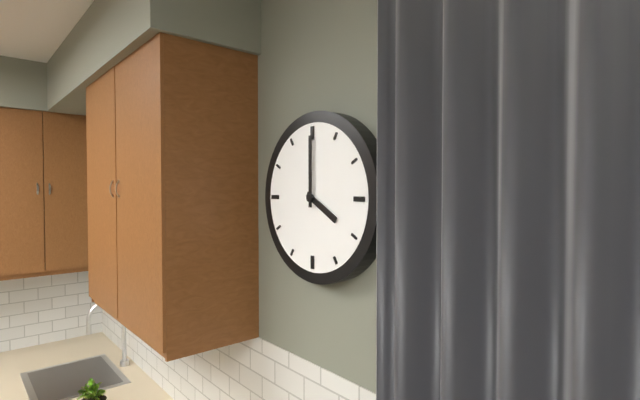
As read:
{"hour": 4, "minute": 0}
